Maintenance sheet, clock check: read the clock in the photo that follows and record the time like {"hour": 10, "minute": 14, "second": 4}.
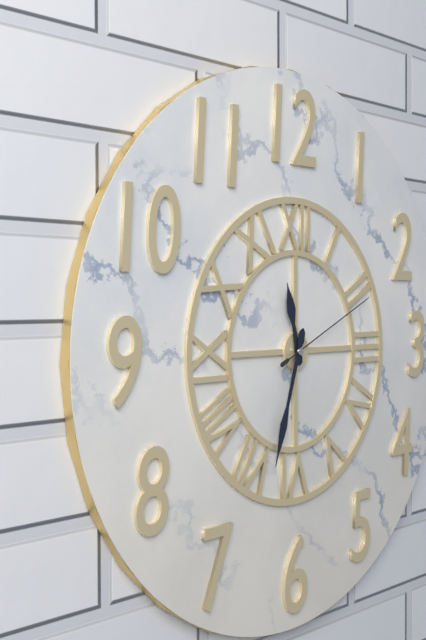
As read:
{"hour": 11, "minute": 33, "second": 11}
